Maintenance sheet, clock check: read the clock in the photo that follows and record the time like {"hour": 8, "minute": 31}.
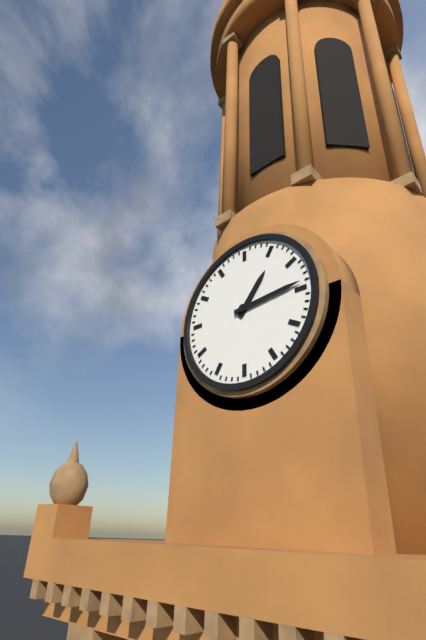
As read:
{"hour": 1, "minute": 14}
